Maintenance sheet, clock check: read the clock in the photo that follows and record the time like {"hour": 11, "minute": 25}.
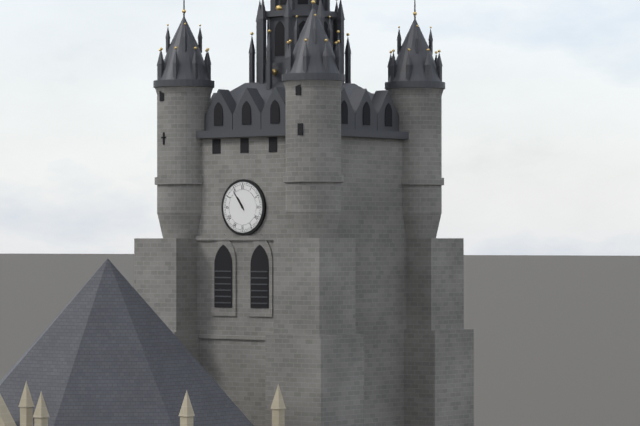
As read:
{"hour": 10, "minute": 54}
